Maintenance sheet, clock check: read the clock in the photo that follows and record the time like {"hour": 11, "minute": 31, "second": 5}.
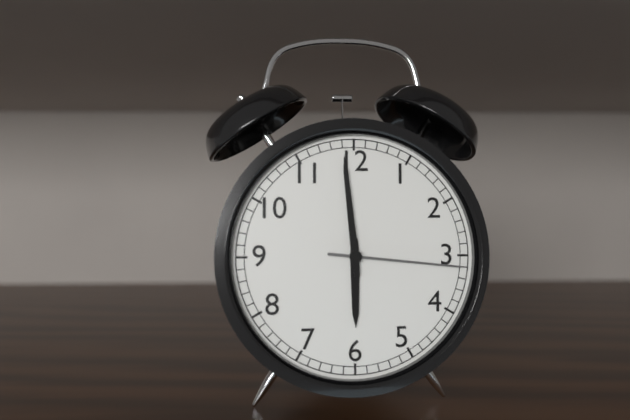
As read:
{"hour": 5, "minute": 59, "second": 16}
